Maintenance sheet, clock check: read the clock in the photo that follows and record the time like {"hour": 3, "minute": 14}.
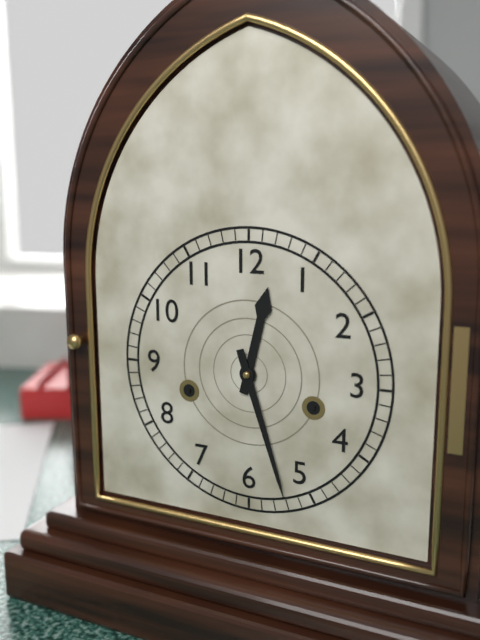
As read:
{"hour": 12, "minute": 27}
